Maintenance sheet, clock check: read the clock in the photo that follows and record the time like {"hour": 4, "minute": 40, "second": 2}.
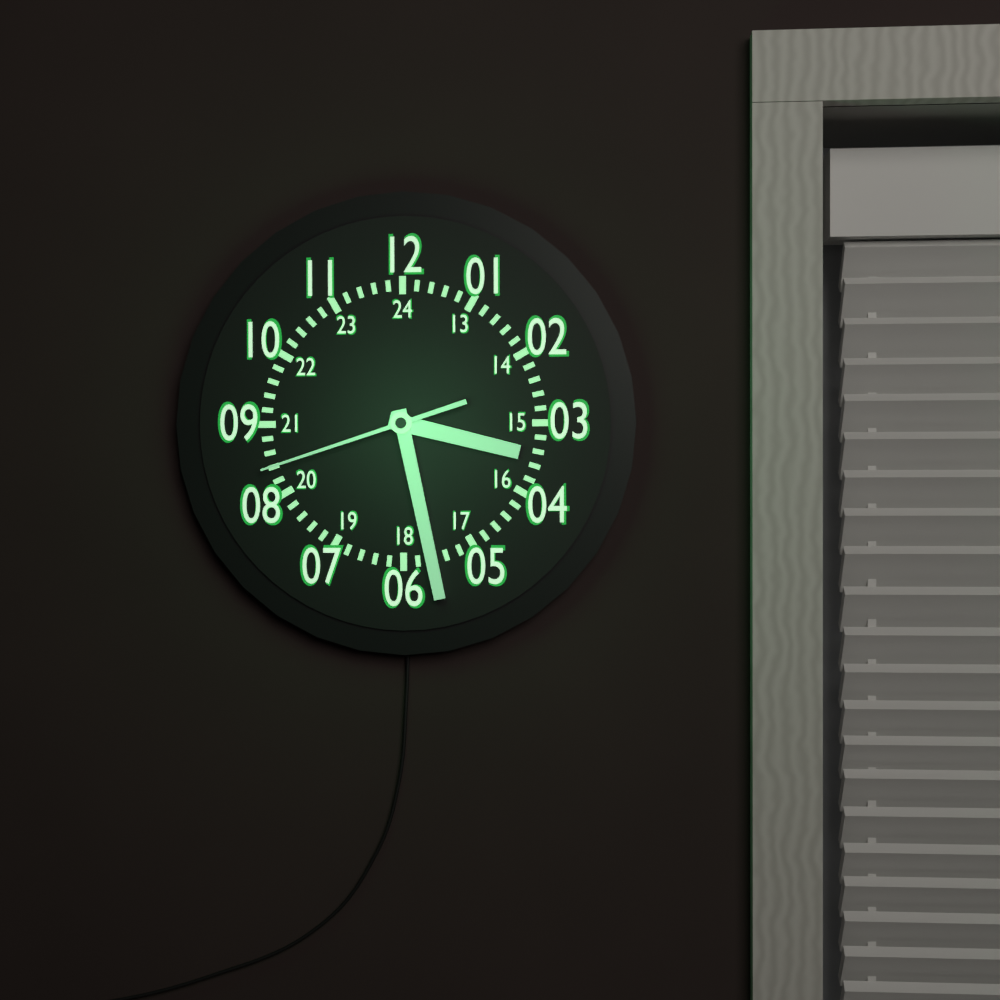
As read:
{"hour": 3, "minute": 28, "second": 42}
